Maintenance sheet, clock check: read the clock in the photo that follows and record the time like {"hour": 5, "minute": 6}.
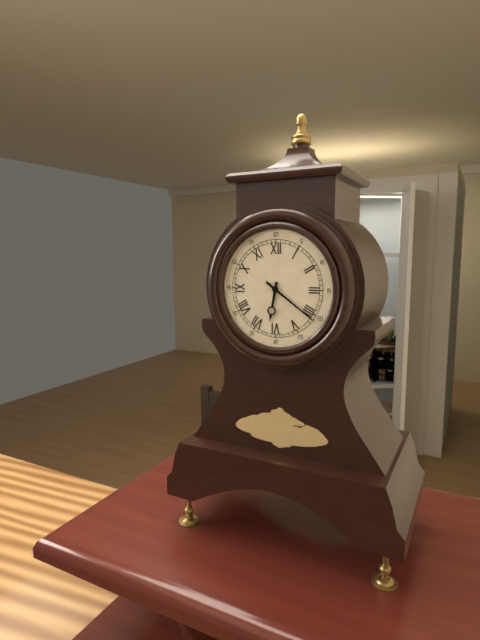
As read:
{"hour": 6, "minute": 21}
